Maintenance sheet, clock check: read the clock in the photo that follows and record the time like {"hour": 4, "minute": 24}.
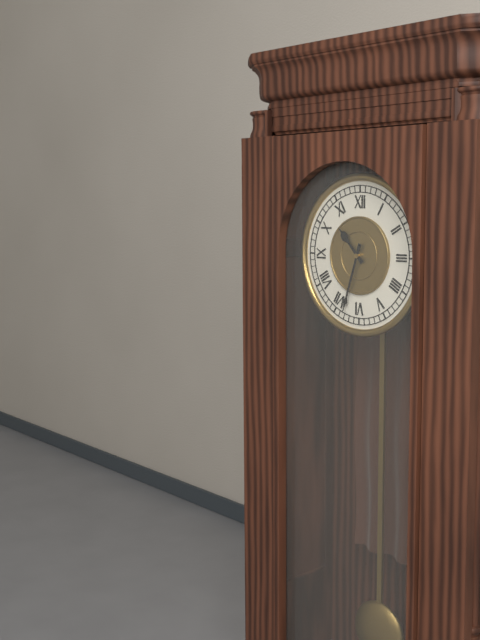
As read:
{"hour": 10, "minute": 33}
